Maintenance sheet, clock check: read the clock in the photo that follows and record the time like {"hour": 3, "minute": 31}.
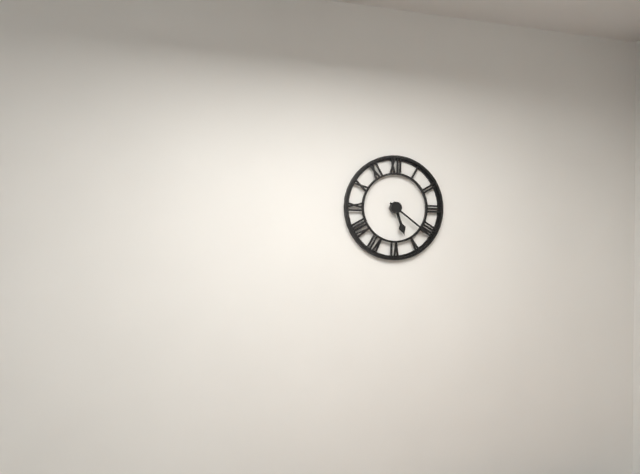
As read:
{"hour": 5, "minute": 21}
